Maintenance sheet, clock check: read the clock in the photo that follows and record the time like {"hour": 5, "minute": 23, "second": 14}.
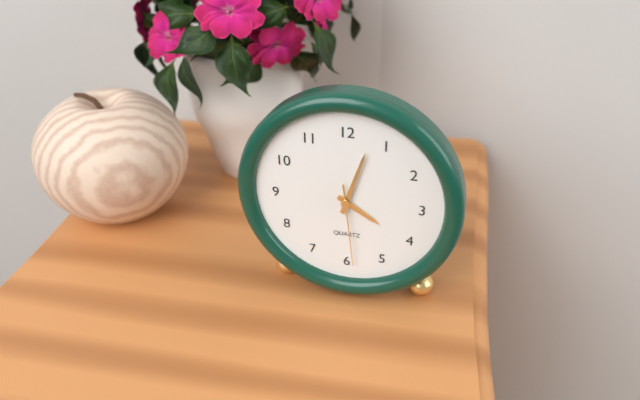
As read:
{"hour": 4, "minute": 3, "second": 29}
